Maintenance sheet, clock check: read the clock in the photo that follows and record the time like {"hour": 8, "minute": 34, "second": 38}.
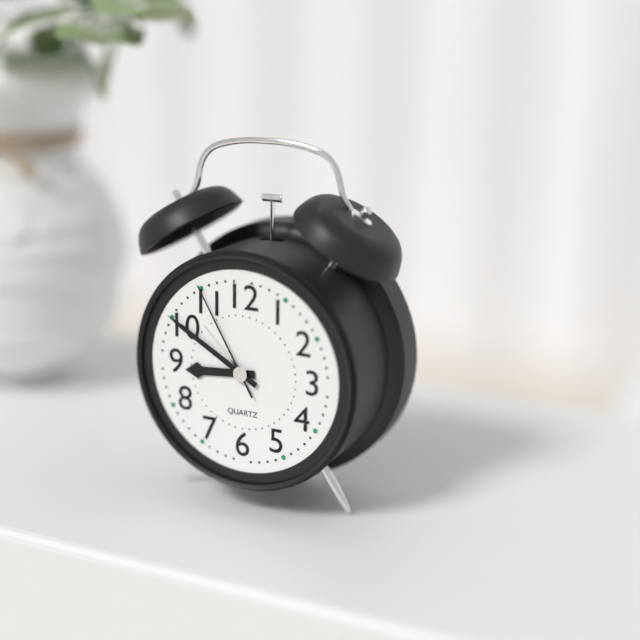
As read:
{"hour": 8, "minute": 50, "second": 55}
